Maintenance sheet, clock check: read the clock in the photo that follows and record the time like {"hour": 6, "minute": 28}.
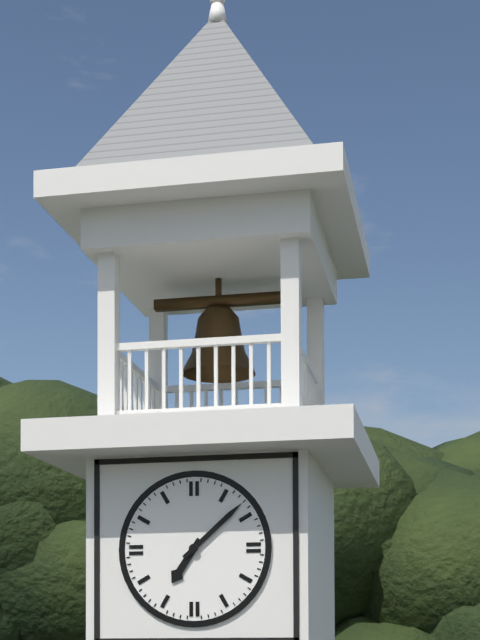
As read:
{"hour": 7, "minute": 8}
